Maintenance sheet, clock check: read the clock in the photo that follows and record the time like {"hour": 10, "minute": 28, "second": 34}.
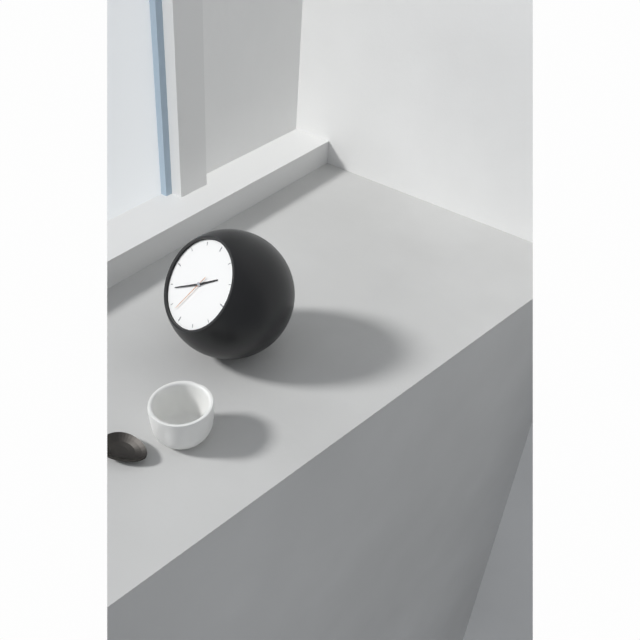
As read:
{"hour": 1, "minute": 39, "second": 33}
